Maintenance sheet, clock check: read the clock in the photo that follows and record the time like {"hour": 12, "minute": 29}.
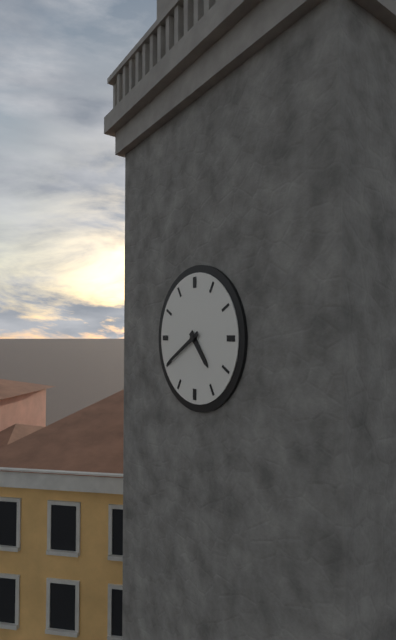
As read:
{"hour": 4, "minute": 40}
